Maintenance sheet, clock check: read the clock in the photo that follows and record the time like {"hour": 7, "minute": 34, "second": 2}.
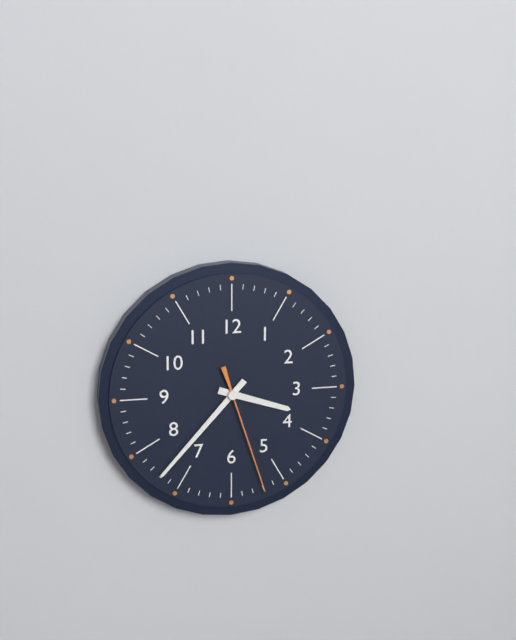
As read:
{"hour": 3, "minute": 37, "second": 27}
